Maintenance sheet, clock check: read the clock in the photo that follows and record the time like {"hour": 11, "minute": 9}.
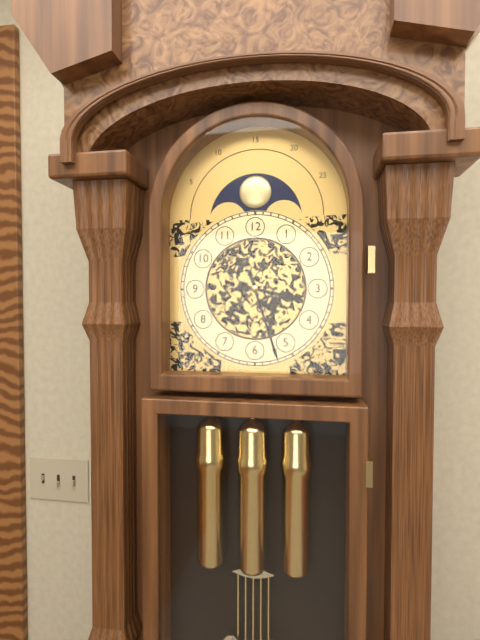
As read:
{"hour": 3, "minute": 27}
